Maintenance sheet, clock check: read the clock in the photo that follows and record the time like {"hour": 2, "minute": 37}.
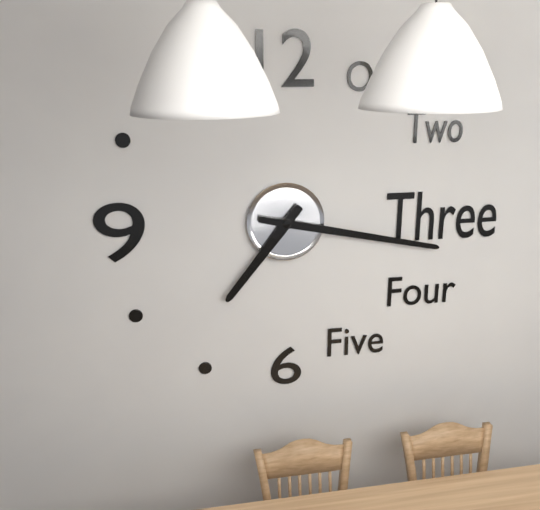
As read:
{"hour": 7, "minute": 17}
